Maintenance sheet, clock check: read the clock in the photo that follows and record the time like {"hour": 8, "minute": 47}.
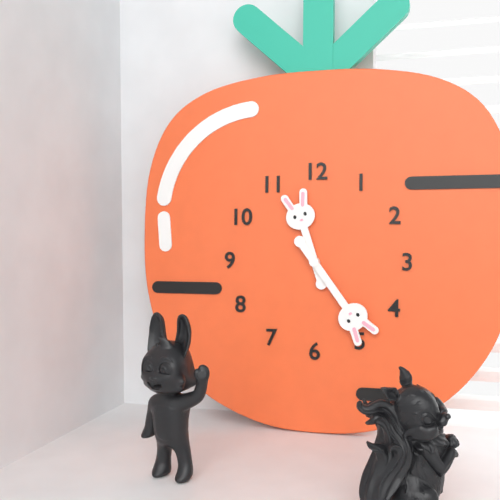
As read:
{"hour": 11, "minute": 24}
